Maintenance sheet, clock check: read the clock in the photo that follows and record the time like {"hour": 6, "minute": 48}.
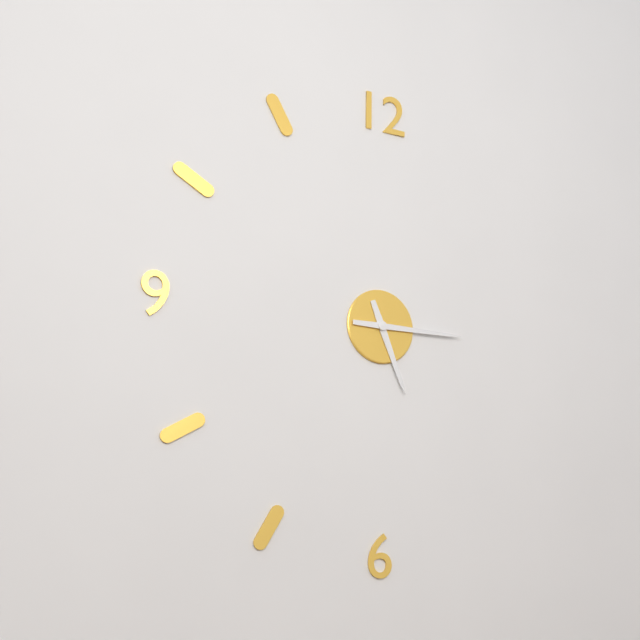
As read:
{"hour": 5, "minute": 15}
